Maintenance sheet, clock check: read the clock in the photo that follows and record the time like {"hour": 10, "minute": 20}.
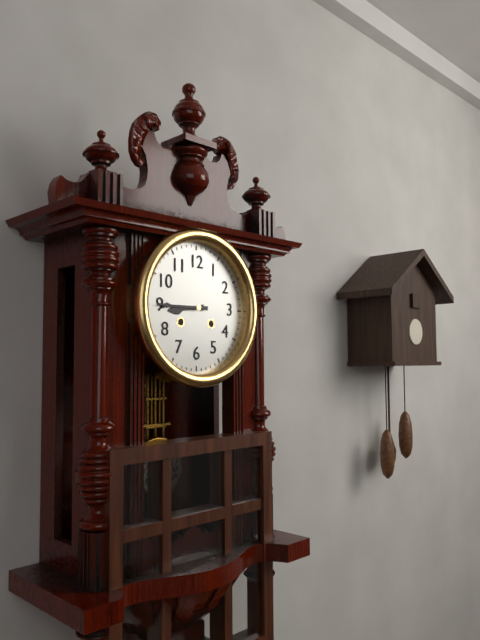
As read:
{"hour": 8, "minute": 45}
